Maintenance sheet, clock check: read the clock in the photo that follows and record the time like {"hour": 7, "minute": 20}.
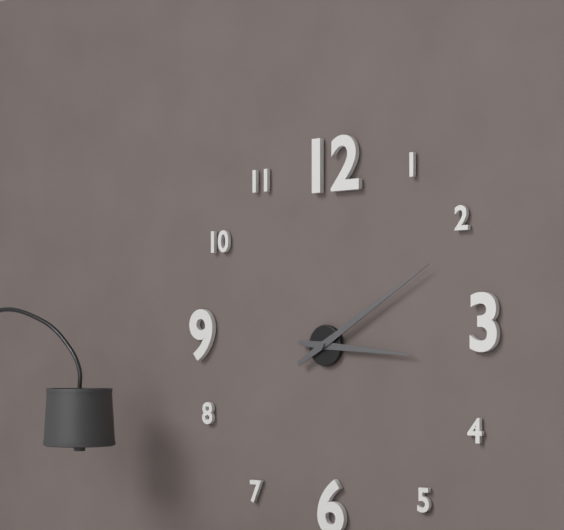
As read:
{"hour": 3, "minute": 10}
